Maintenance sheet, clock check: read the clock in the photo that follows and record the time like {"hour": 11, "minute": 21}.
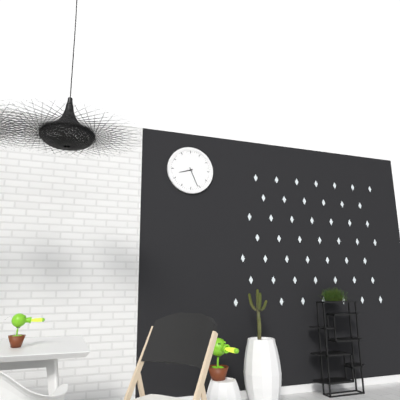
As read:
{"hour": 8, "minute": 26}
